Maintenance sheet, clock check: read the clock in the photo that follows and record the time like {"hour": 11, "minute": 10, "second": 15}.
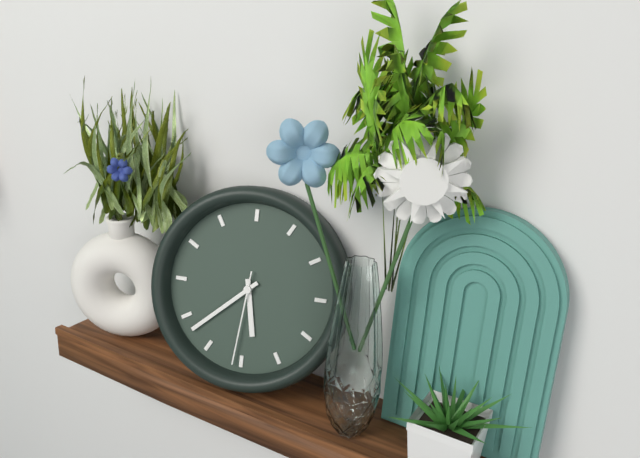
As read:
{"hour": 5, "minute": 38, "second": 31}
